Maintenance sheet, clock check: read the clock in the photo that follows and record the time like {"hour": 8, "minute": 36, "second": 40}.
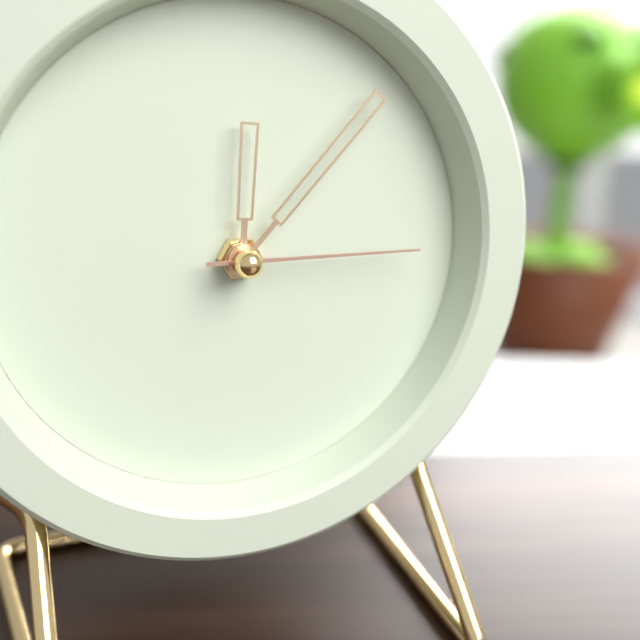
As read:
{"hour": 12, "minute": 7, "second": 15}
